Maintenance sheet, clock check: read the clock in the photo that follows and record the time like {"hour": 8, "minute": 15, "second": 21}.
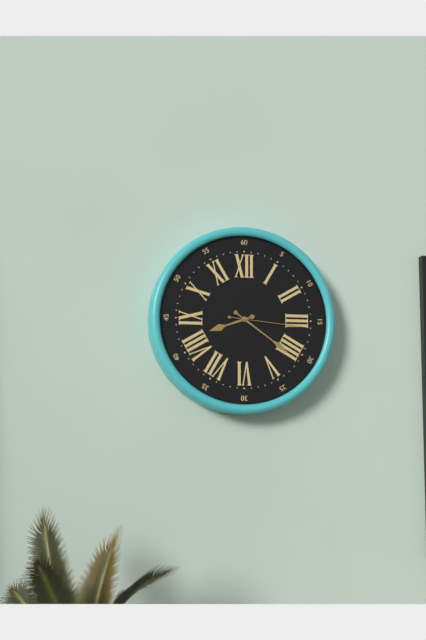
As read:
{"hour": 8, "minute": 21, "second": 16}
